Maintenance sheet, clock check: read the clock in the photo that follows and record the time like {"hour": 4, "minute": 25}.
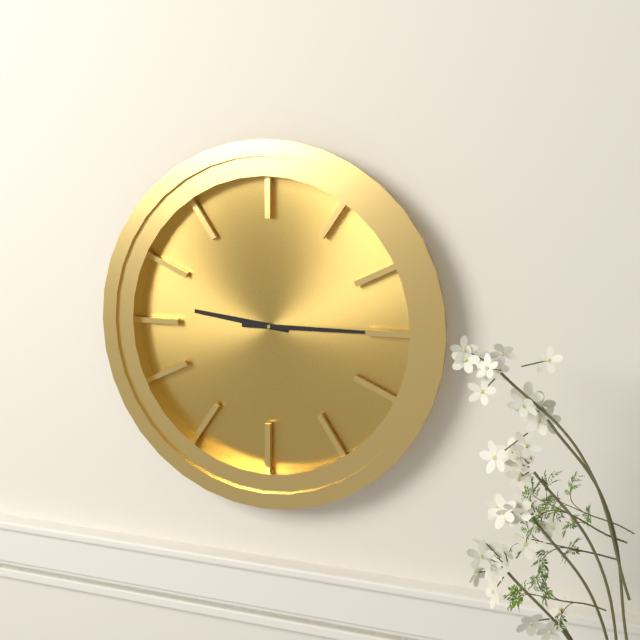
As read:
{"hour": 9, "minute": 15}
